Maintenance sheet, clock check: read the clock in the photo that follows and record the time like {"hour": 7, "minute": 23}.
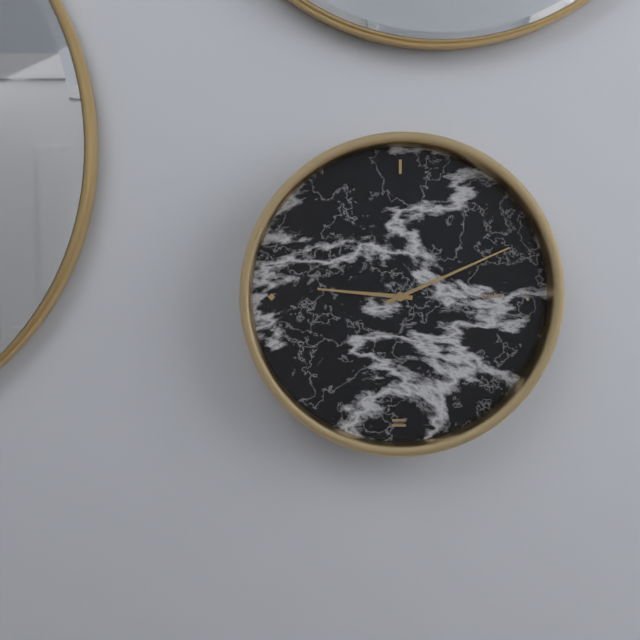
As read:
{"hour": 9, "minute": 11}
